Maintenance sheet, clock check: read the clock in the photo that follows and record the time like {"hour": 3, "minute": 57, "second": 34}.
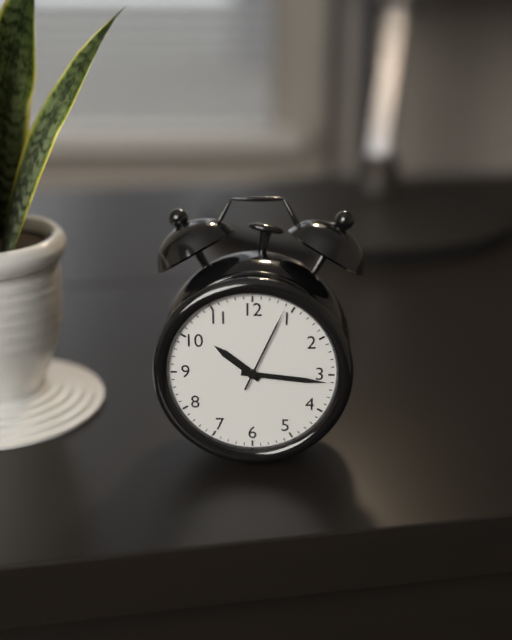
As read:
{"hour": 10, "minute": 16, "second": 4}
